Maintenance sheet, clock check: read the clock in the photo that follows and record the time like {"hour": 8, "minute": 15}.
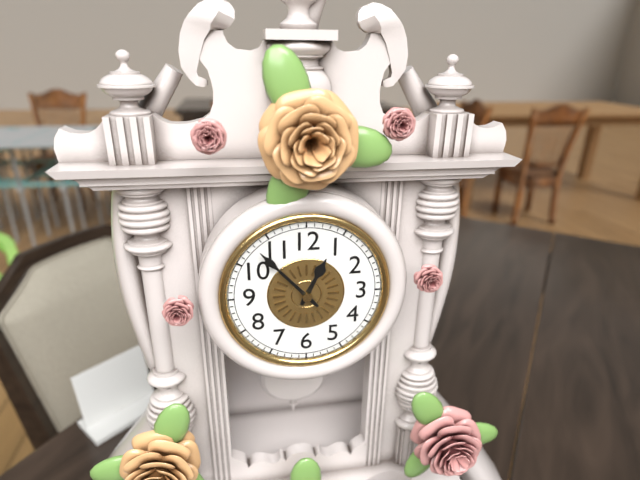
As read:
{"hour": 12, "minute": 53}
